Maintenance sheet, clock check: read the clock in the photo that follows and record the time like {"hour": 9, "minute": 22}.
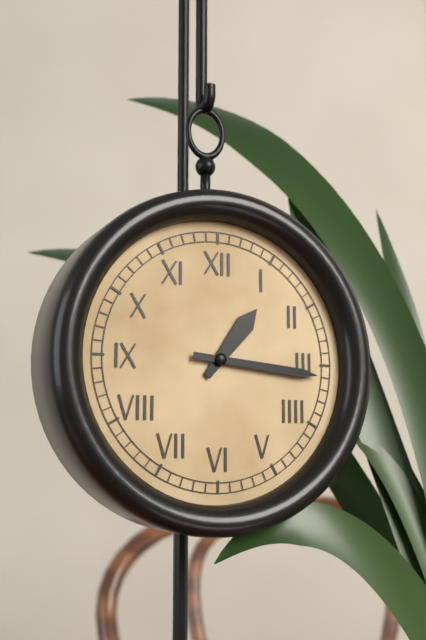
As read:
{"hour": 1, "minute": 16}
